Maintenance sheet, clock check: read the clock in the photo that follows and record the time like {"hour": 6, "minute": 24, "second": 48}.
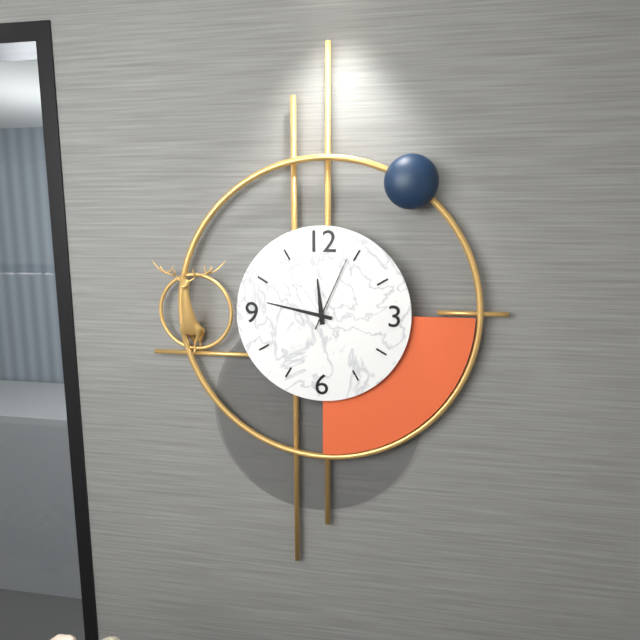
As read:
{"hour": 11, "minute": 47, "second": 4}
